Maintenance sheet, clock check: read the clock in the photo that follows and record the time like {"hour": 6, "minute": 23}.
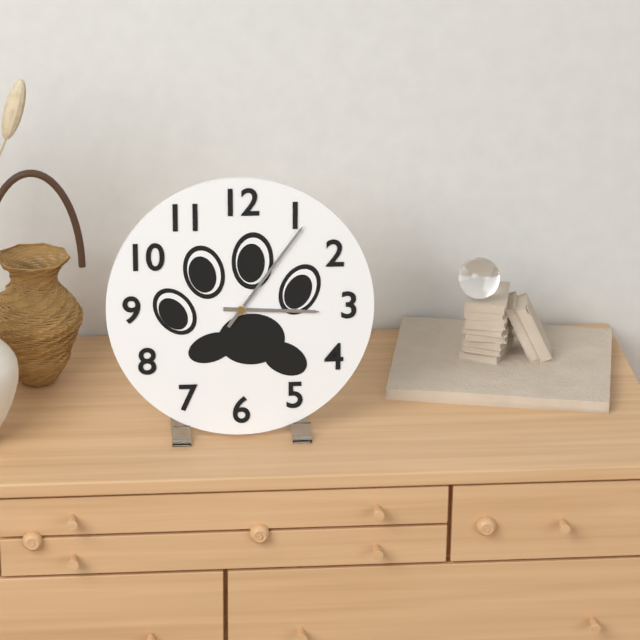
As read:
{"hour": 3, "minute": 6}
